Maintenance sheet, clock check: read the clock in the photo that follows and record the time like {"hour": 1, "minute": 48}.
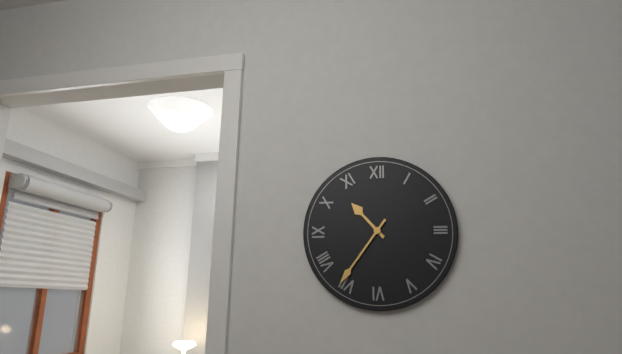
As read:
{"hour": 10, "minute": 36}
